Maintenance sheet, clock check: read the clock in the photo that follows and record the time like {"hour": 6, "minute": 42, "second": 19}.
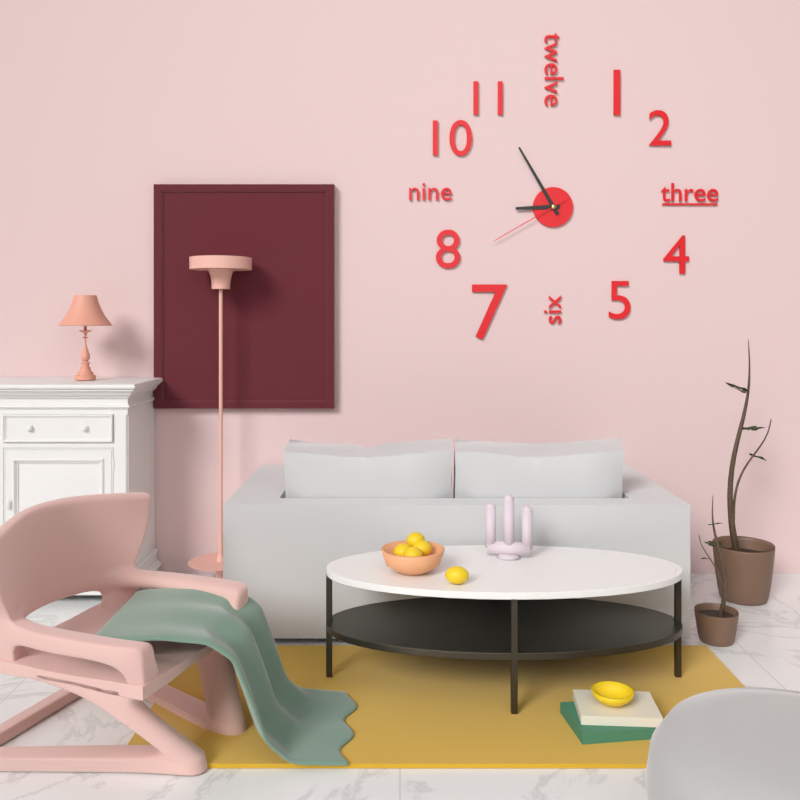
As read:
{"hour": 8, "minute": 55, "second": 40}
